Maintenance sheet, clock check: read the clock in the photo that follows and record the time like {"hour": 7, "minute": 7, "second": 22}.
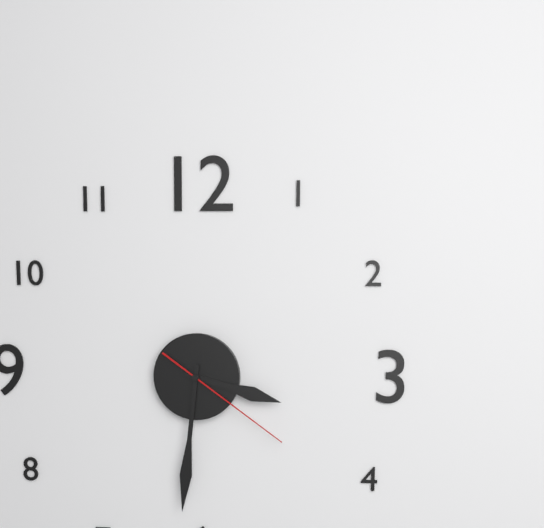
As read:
{"hour": 3, "minute": 31, "second": 21}
